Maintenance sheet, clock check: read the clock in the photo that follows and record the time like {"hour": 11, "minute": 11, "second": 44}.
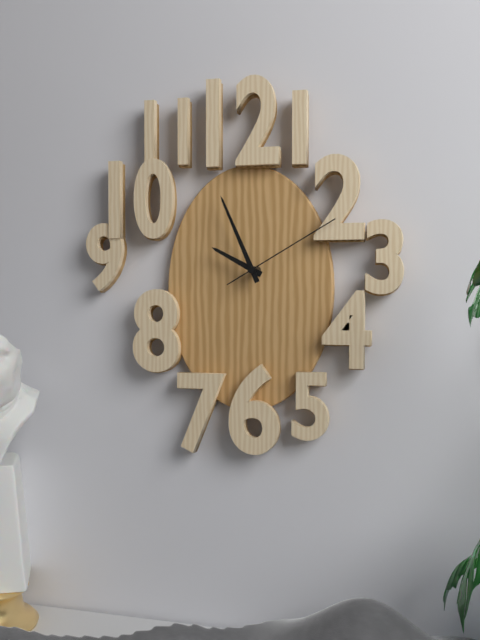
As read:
{"hour": 9, "minute": 56, "second": 10}
